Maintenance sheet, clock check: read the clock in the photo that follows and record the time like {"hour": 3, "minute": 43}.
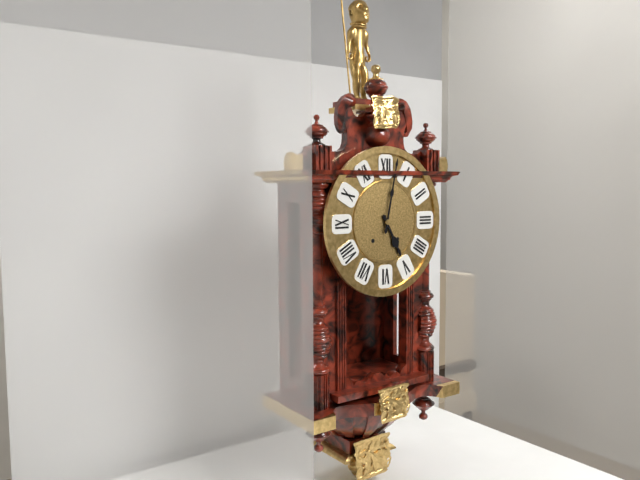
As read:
{"hour": 5, "minute": 2}
